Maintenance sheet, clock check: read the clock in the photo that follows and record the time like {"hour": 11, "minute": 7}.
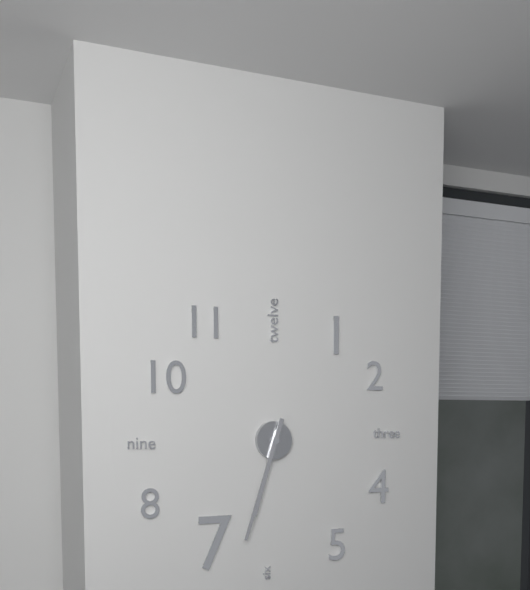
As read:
{"hour": 6, "minute": 33}
